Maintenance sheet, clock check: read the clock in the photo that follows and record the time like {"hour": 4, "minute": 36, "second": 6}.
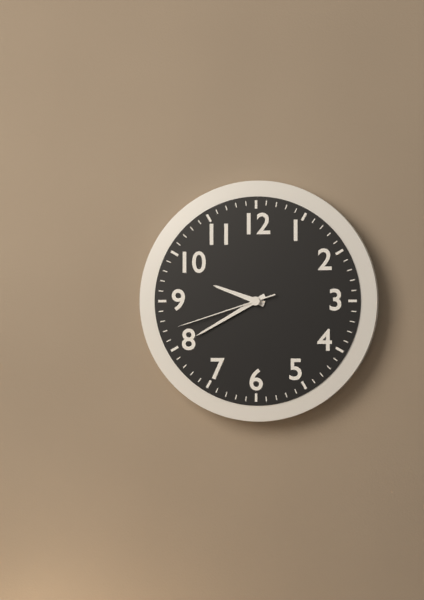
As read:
{"hour": 9, "minute": 40, "second": 42}
